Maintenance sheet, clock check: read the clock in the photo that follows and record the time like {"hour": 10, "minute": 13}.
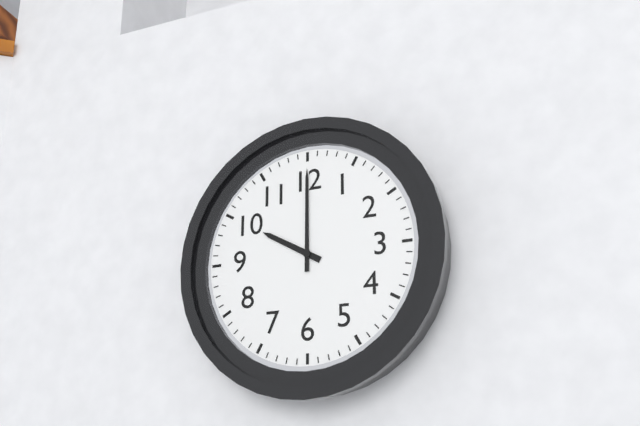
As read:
{"hour": 10, "minute": 0}
